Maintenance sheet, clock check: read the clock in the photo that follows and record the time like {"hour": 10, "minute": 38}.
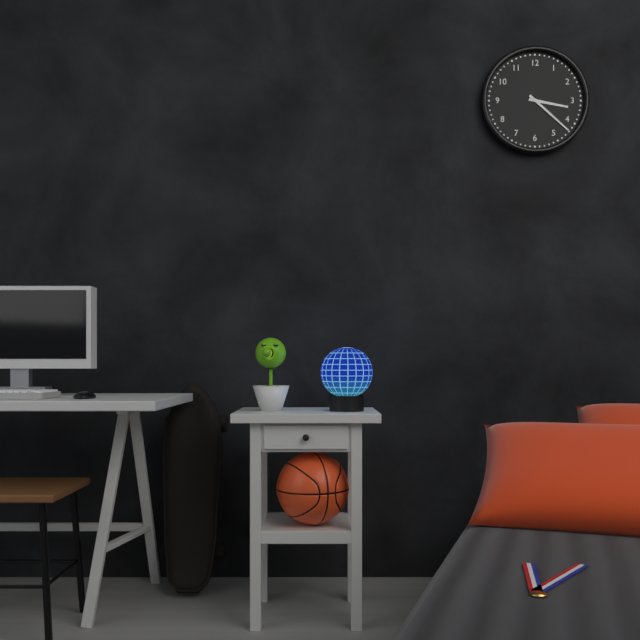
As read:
{"hour": 3, "minute": 22}
